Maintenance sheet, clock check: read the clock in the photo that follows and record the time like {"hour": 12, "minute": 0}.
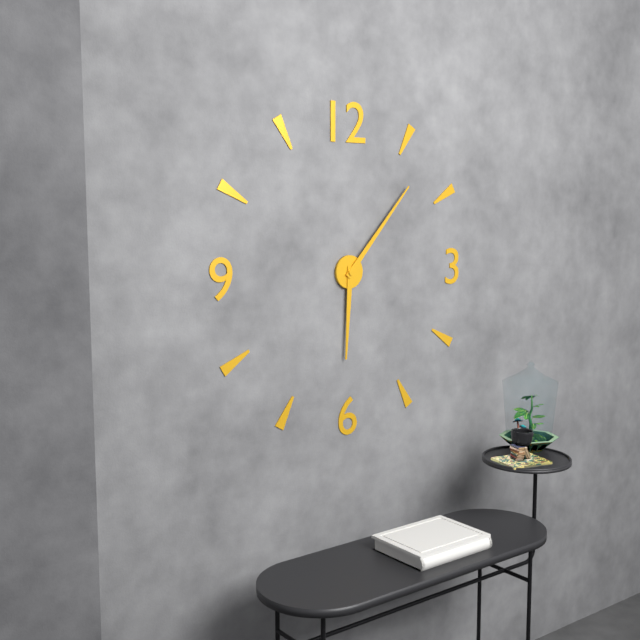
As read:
{"hour": 6, "minute": 7}
